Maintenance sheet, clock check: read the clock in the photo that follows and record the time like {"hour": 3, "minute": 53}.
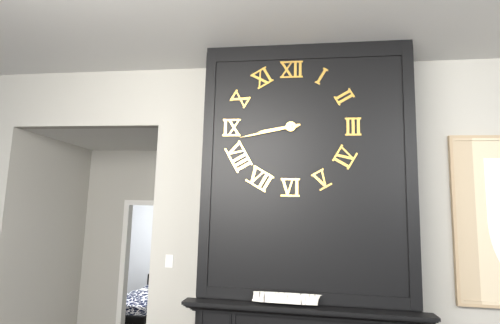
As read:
{"hour": 8, "minute": 43}
